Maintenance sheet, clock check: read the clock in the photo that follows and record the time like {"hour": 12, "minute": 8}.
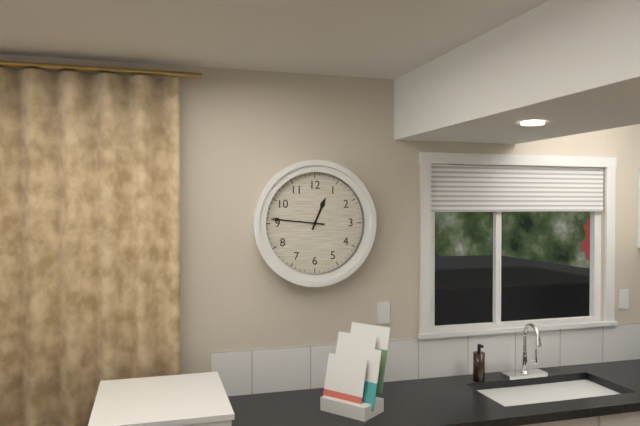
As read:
{"hour": 12, "minute": 46}
